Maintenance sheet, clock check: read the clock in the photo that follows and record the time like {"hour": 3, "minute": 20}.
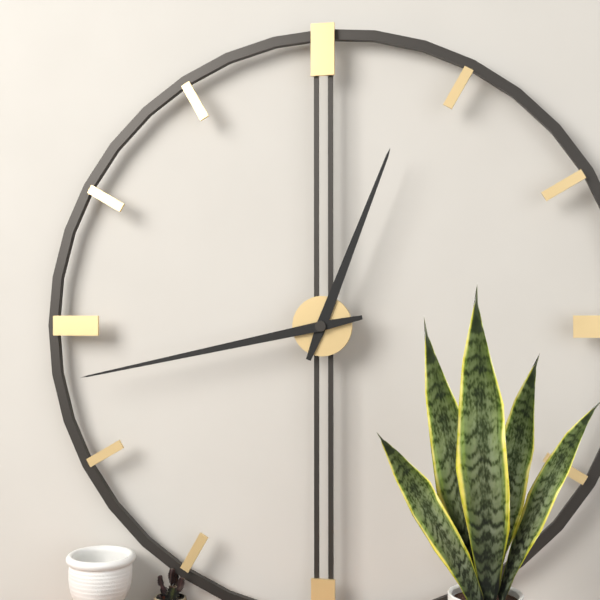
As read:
{"hour": 12, "minute": 43}
